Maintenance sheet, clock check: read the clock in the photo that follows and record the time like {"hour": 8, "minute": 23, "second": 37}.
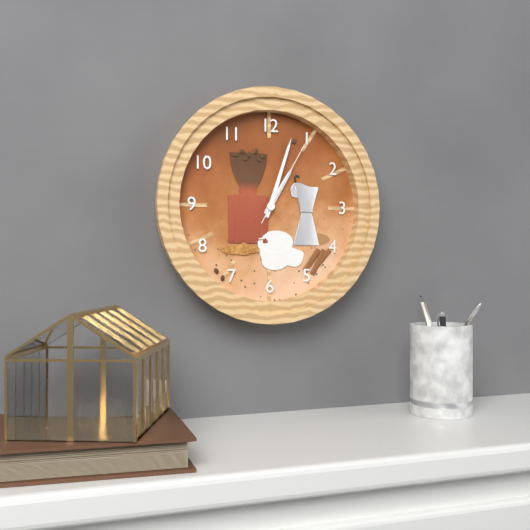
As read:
{"hour": 1, "minute": 3, "second": 5}
